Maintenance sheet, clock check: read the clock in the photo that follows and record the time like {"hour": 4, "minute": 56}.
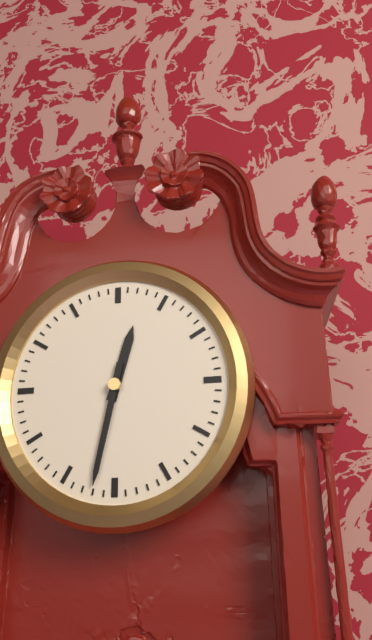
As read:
{"hour": 12, "minute": 32}
